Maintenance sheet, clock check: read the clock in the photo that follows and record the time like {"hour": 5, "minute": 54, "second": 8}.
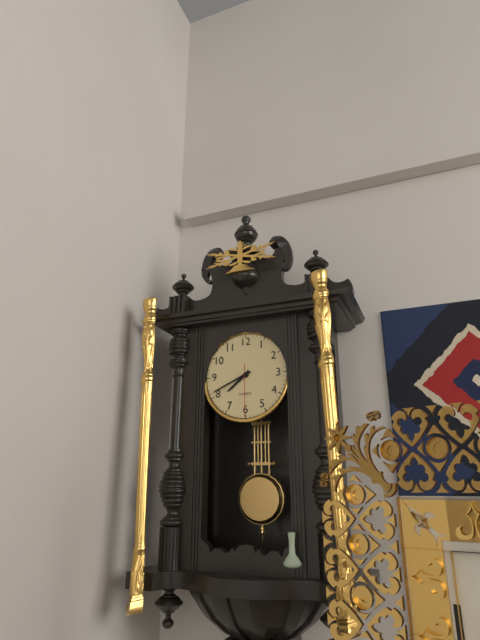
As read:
{"hour": 7, "minute": 41, "second": 30}
